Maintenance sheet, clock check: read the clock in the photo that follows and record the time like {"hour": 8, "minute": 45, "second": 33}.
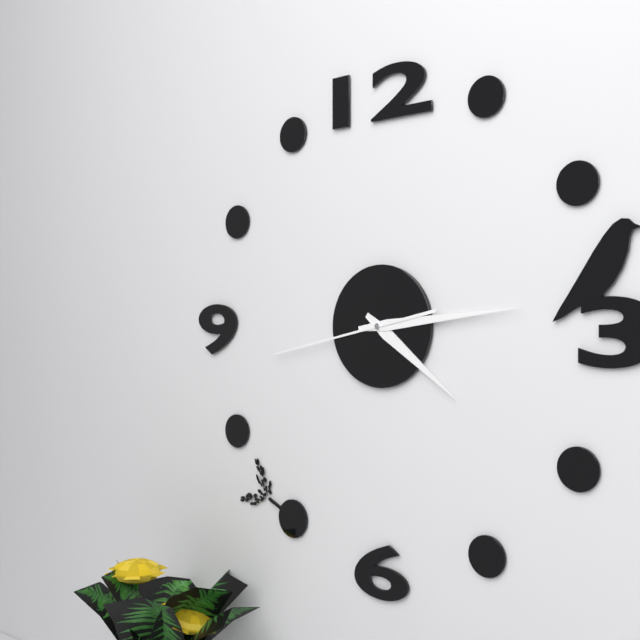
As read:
{"hour": 4, "minute": 14, "second": 43}
